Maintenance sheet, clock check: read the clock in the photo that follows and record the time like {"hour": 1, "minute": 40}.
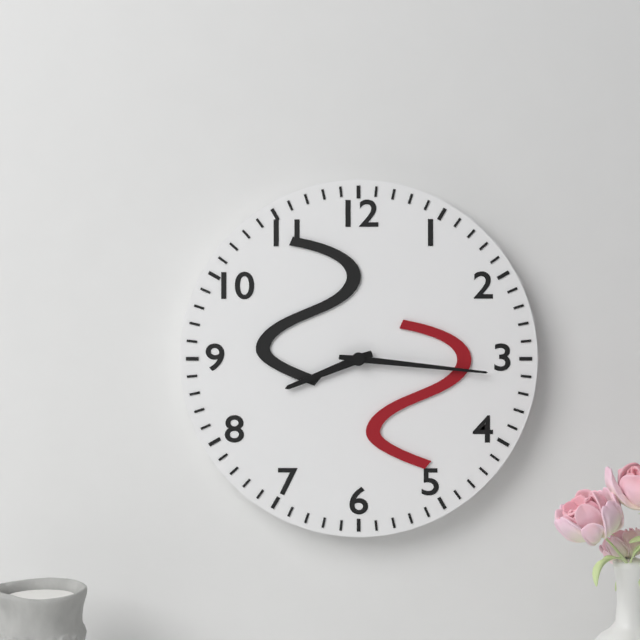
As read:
{"hour": 8, "minute": 16}
